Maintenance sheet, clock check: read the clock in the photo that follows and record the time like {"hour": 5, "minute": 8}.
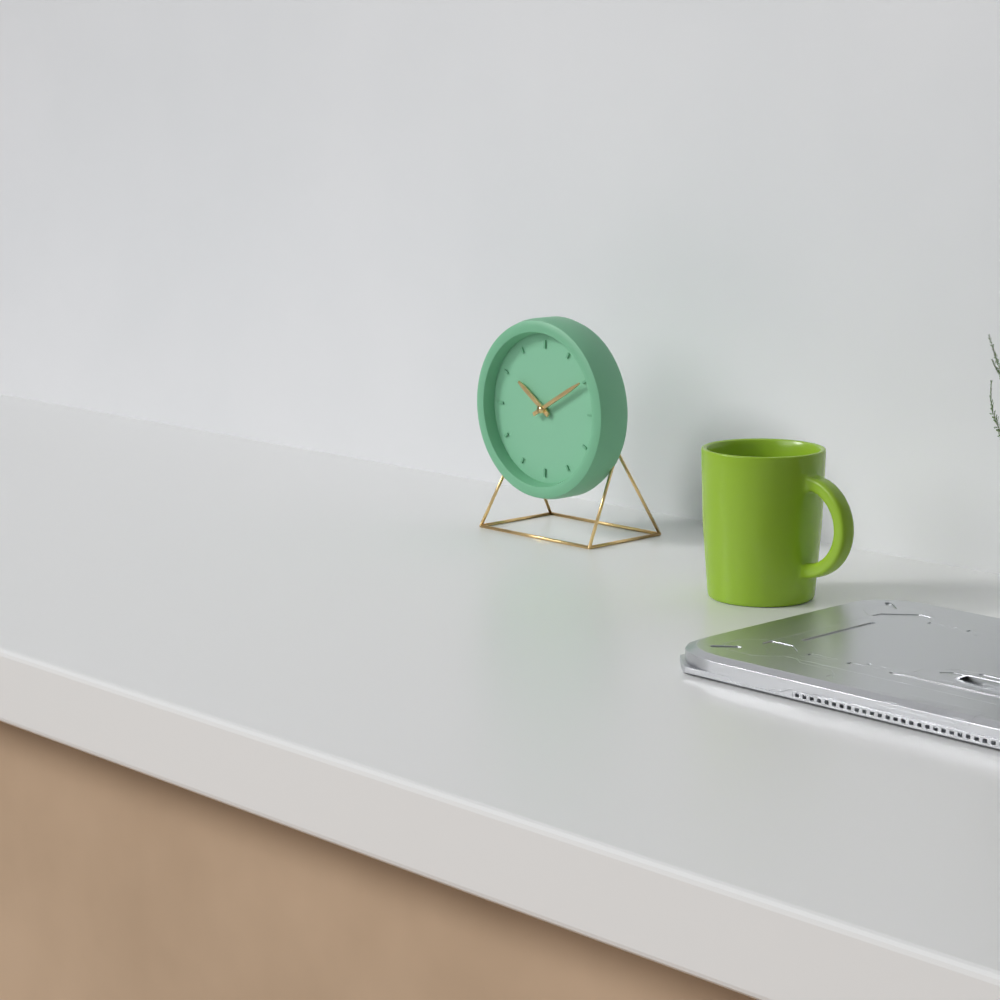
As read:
{"hour": 10, "minute": 10}
